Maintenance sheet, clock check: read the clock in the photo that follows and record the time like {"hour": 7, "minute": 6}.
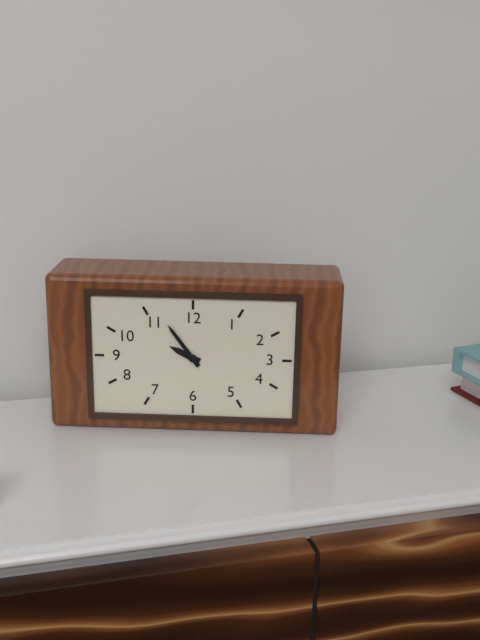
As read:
{"hour": 9, "minute": 54}
